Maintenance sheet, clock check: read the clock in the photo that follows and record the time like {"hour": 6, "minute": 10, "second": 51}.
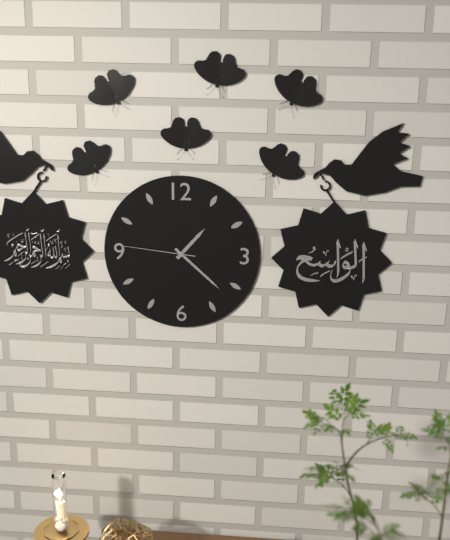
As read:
{"hour": 1, "minute": 22, "second": 46}
